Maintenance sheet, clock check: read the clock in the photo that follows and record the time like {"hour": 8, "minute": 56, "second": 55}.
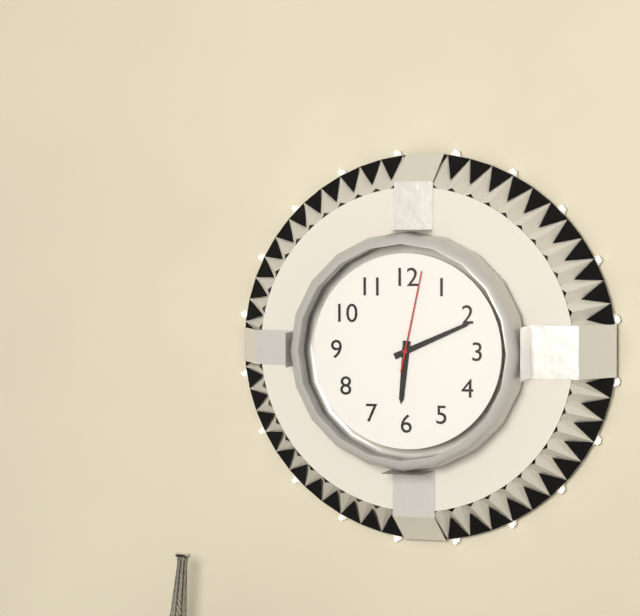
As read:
{"hour": 6, "minute": 11, "second": 2}
